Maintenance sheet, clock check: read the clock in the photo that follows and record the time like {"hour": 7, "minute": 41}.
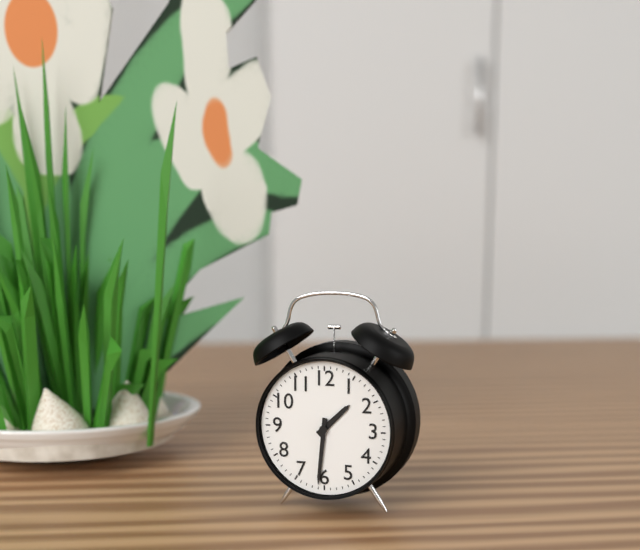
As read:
{"hour": 1, "minute": 31}
